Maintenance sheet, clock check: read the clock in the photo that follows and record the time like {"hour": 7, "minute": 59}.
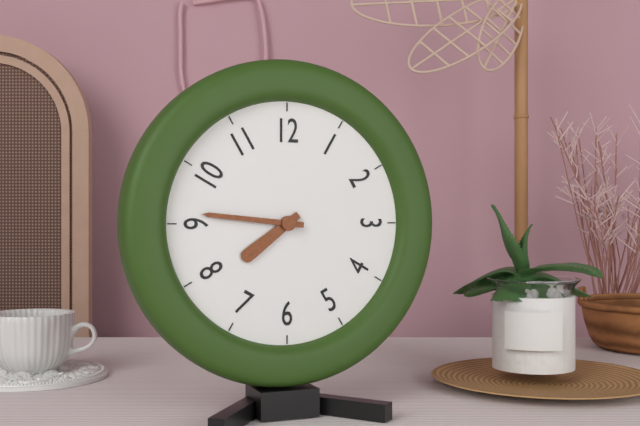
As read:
{"hour": 7, "minute": 46}
